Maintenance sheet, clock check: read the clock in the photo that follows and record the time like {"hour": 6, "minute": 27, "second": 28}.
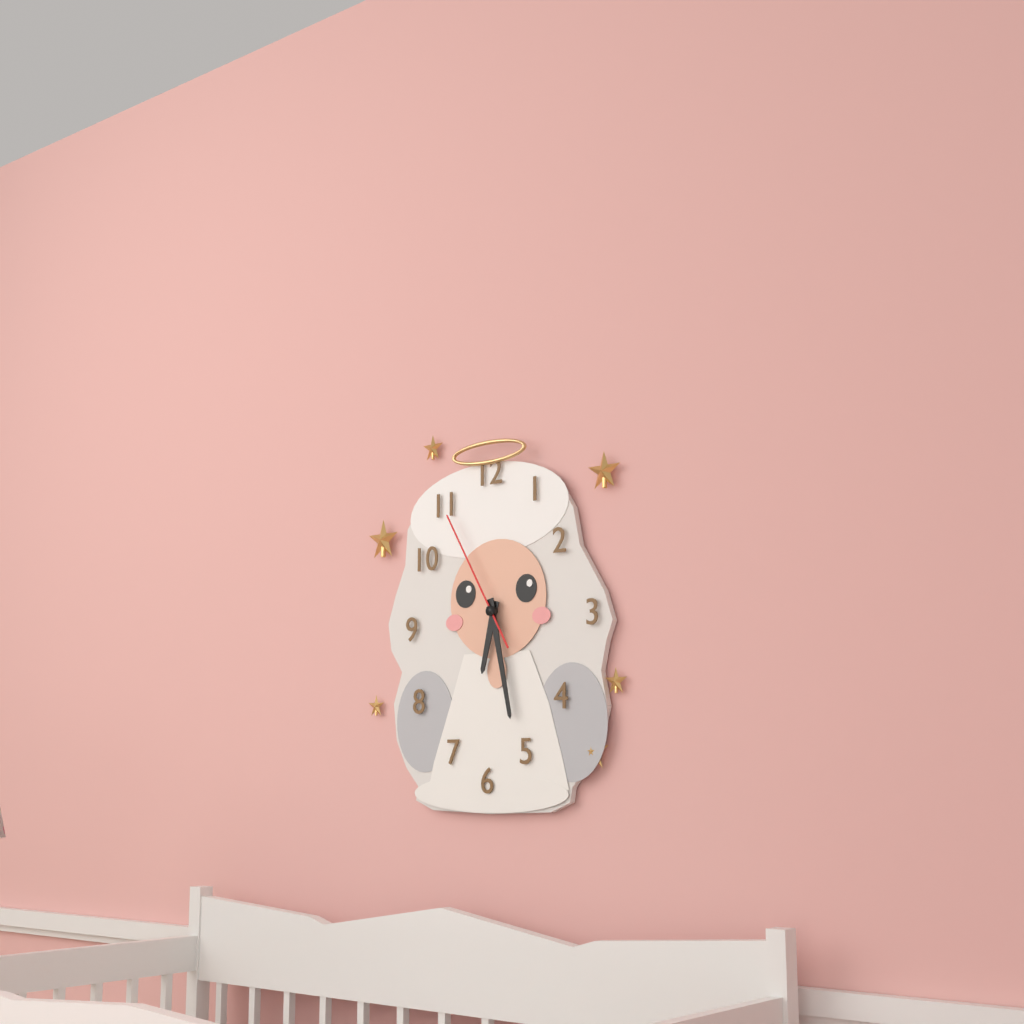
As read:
{"hour": 6, "minute": 28, "second": 55}
